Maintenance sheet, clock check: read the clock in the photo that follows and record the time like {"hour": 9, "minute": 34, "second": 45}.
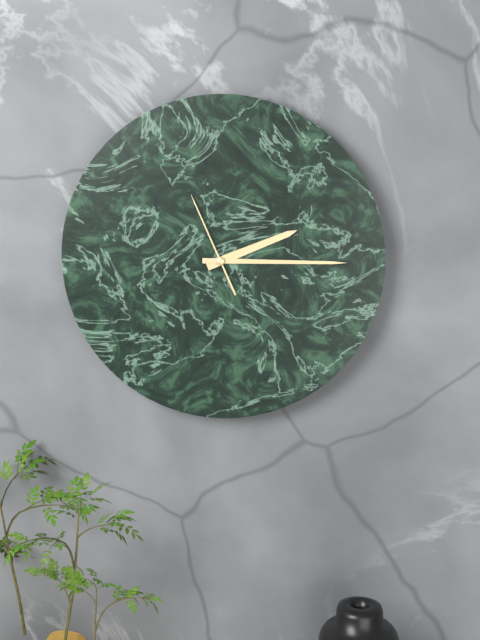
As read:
{"hour": 2, "minute": 15, "second": 56}
